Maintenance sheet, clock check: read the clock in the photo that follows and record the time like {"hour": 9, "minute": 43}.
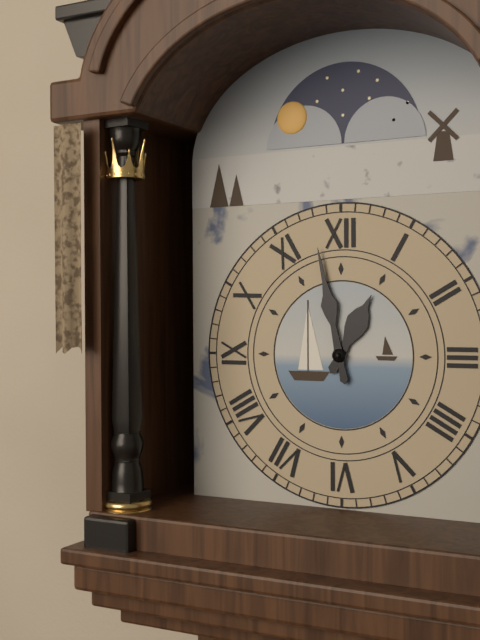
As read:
{"hour": 12, "minute": 58}
